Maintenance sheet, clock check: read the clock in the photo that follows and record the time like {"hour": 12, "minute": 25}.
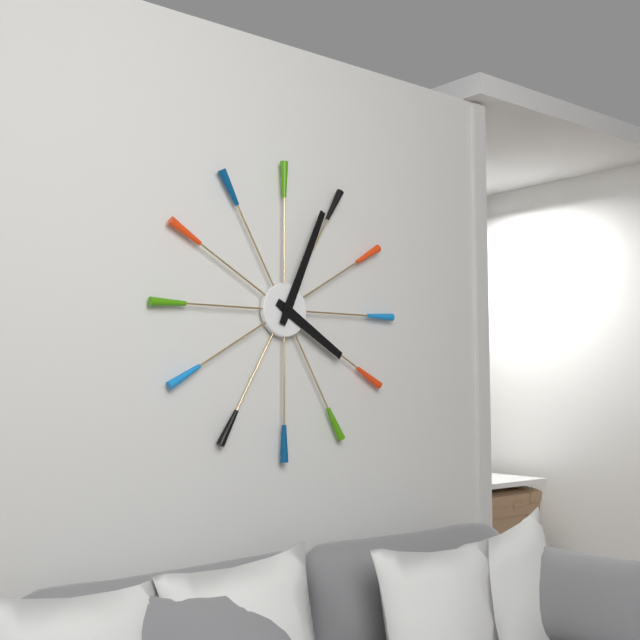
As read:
{"hour": 4, "minute": 4}
